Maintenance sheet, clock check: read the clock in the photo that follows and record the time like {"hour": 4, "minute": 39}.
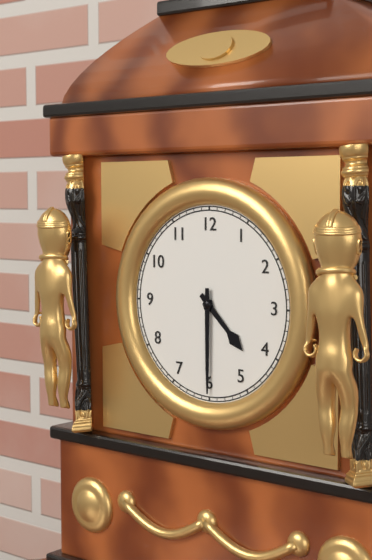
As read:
{"hour": 4, "minute": 30}
